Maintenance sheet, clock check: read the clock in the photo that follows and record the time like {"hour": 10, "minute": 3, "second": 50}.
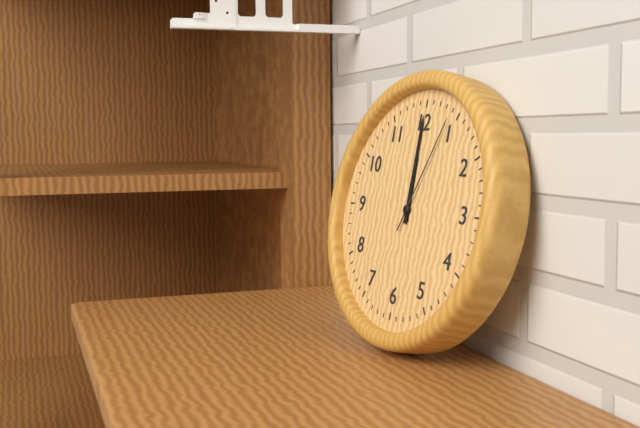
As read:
{"hour": 12, "minute": 0, "second": 4}
